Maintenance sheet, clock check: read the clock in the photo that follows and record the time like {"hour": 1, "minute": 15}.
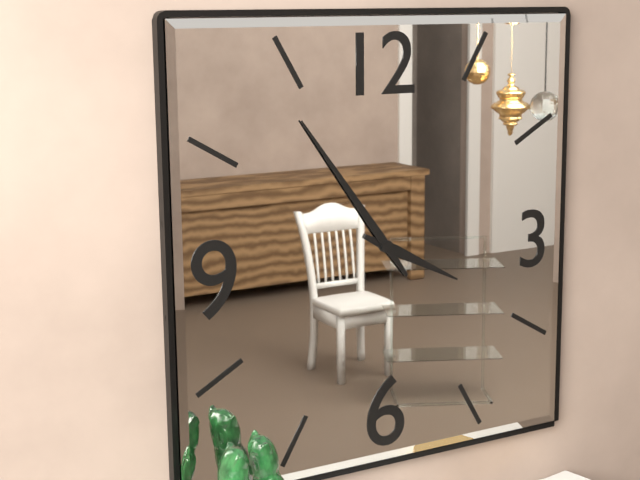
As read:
{"hour": 3, "minute": 54}
